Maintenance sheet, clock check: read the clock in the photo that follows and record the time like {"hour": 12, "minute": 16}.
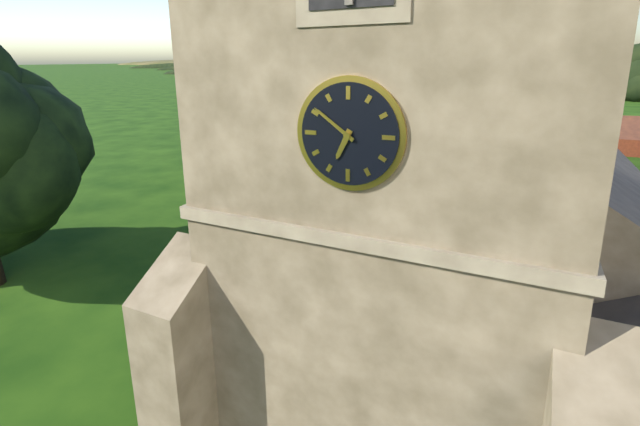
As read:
{"hour": 6, "minute": 51}
